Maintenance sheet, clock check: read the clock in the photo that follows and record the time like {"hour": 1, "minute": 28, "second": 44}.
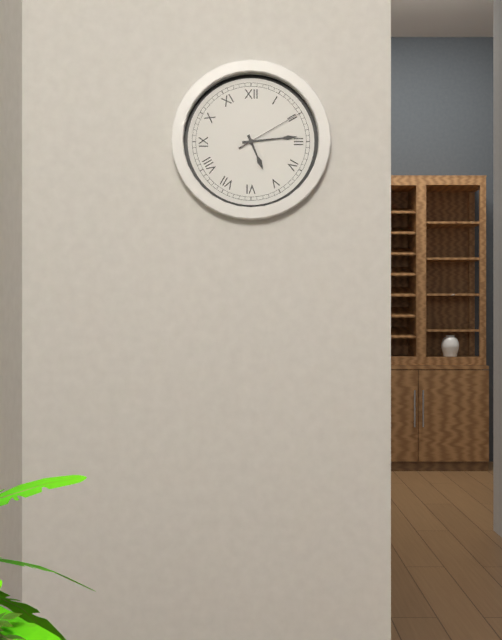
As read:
{"hour": 5, "minute": 14, "second": 10}
